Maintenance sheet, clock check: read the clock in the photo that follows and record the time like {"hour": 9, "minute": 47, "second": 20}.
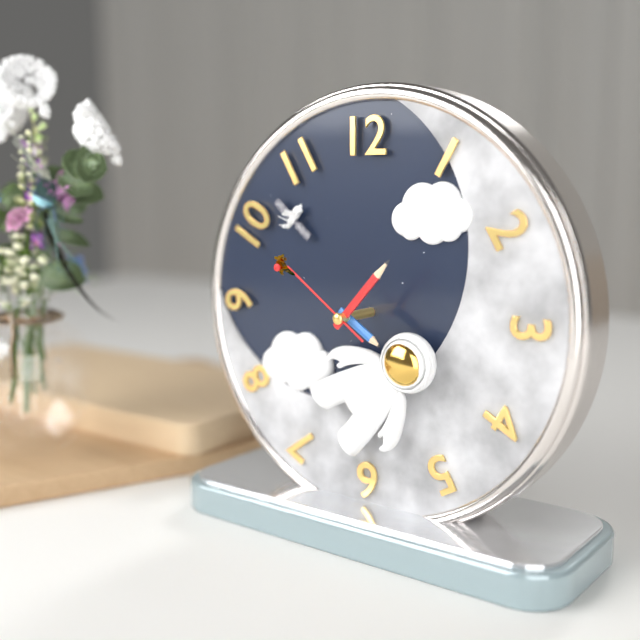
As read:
{"hour": 4, "minute": 7, "second": 51}
